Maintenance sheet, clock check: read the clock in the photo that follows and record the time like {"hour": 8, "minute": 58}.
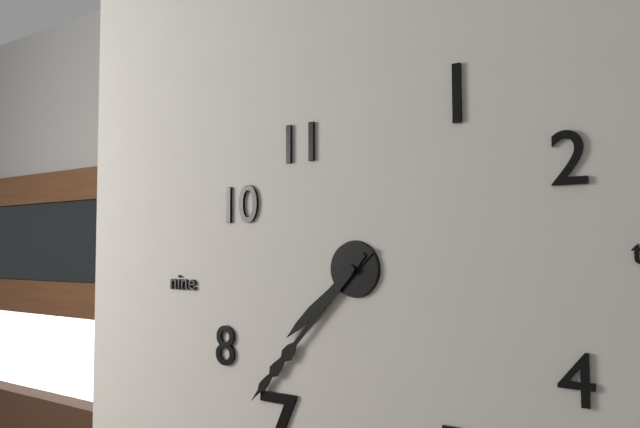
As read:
{"hour": 7, "minute": 37}
